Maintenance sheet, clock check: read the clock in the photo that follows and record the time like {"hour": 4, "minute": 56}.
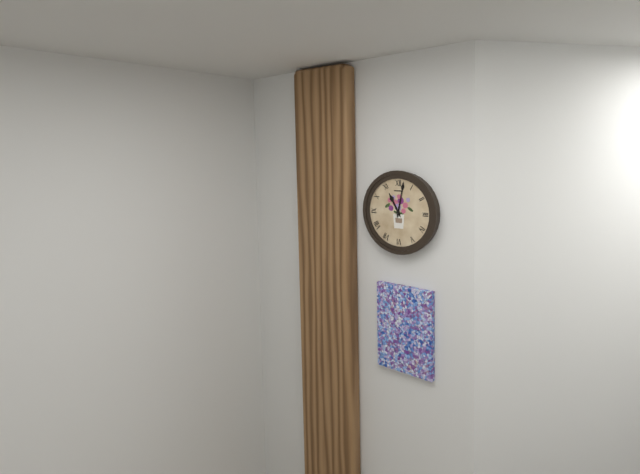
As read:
{"hour": 11, "minute": 2}
